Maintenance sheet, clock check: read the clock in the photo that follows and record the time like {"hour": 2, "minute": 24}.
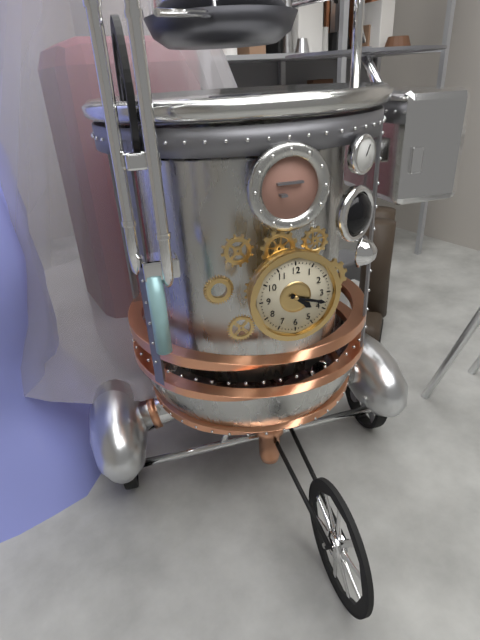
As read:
{"hour": 4, "minute": 18}
